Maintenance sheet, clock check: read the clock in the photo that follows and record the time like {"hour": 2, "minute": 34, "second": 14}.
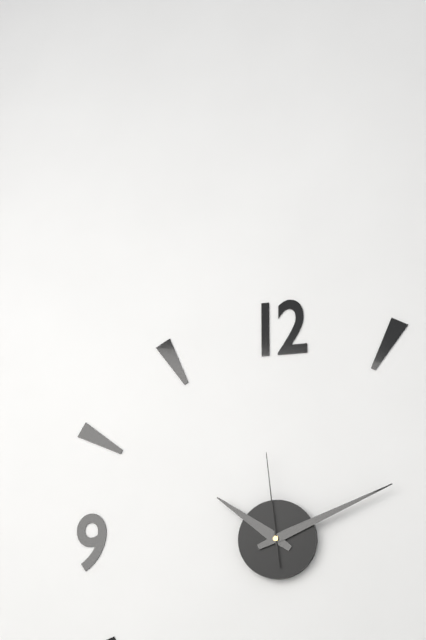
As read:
{"hour": 10, "minute": 11, "second": 59}
